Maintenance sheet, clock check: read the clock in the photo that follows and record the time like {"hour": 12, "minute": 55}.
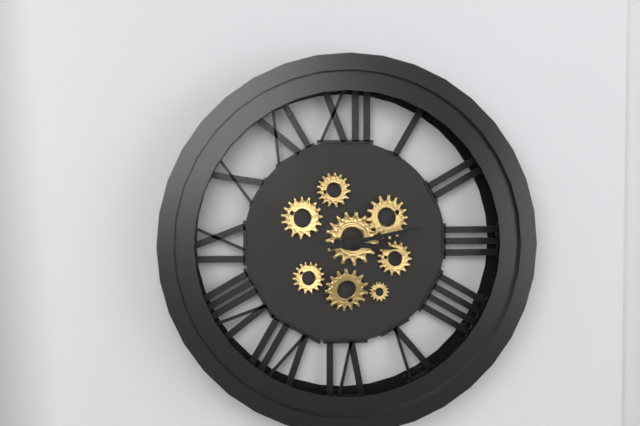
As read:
{"hour": 3, "minute": 13}
